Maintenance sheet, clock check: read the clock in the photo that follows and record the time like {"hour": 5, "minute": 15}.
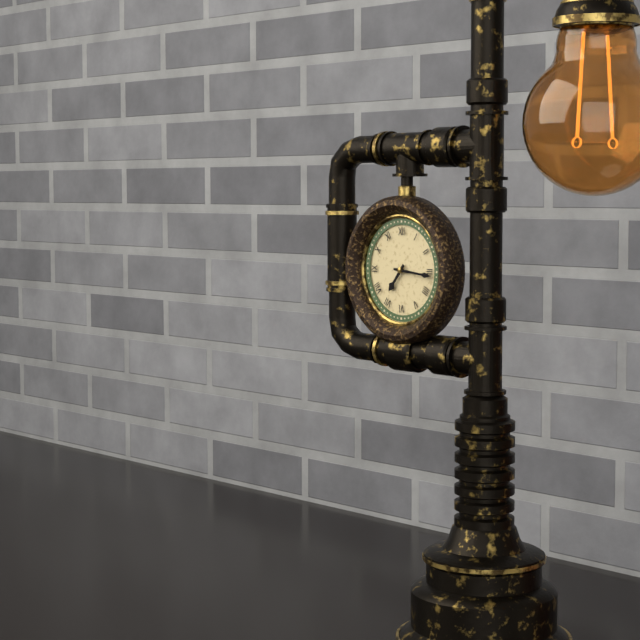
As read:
{"hour": 7, "minute": 16}
